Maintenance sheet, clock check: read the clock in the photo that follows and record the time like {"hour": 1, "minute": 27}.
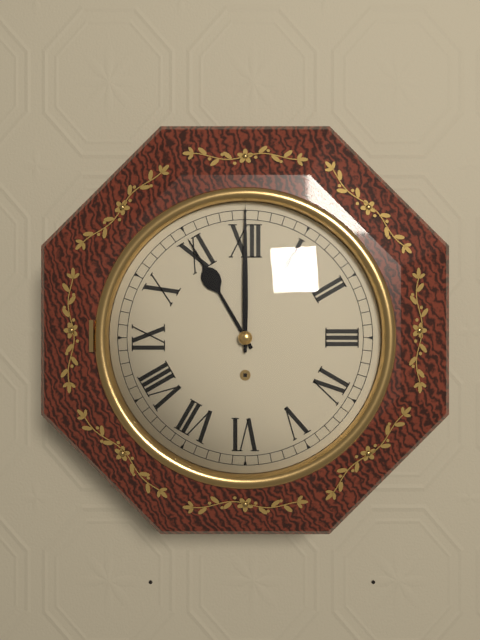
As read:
{"hour": 11, "minute": 0}
